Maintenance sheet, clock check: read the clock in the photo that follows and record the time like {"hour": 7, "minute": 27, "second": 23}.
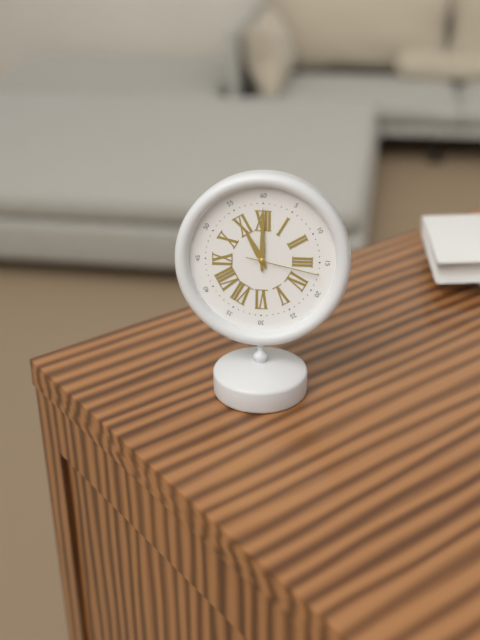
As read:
{"hour": 11, "minute": 0, "second": 17}
